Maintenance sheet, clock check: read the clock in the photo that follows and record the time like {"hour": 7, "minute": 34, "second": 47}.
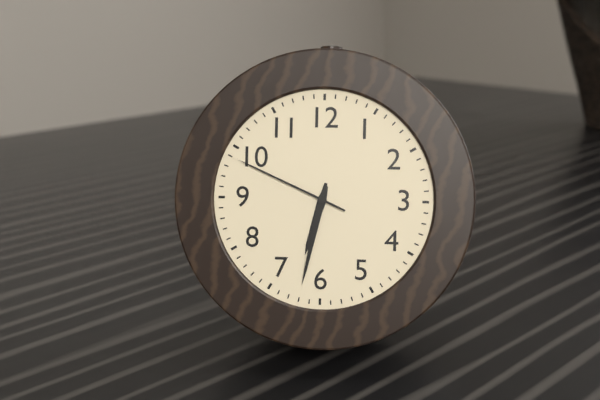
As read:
{"hour": 6, "minute": 32, "second": 49}
